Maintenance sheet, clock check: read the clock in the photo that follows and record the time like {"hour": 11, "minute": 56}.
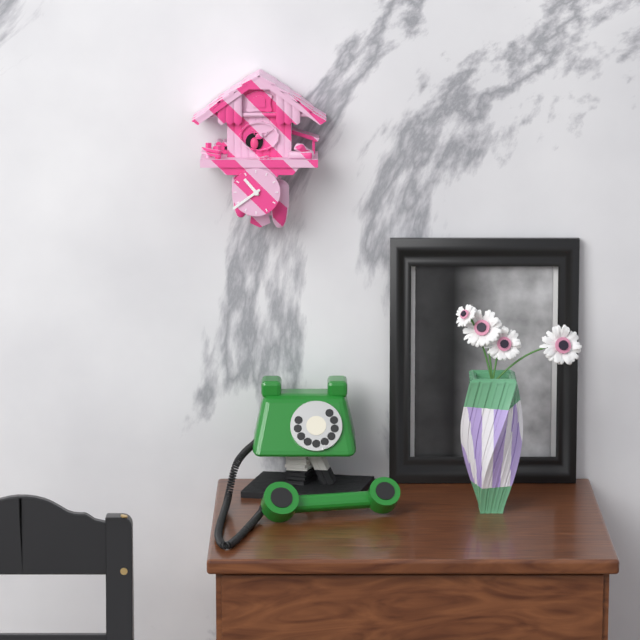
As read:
{"hour": 10, "minute": 39}
